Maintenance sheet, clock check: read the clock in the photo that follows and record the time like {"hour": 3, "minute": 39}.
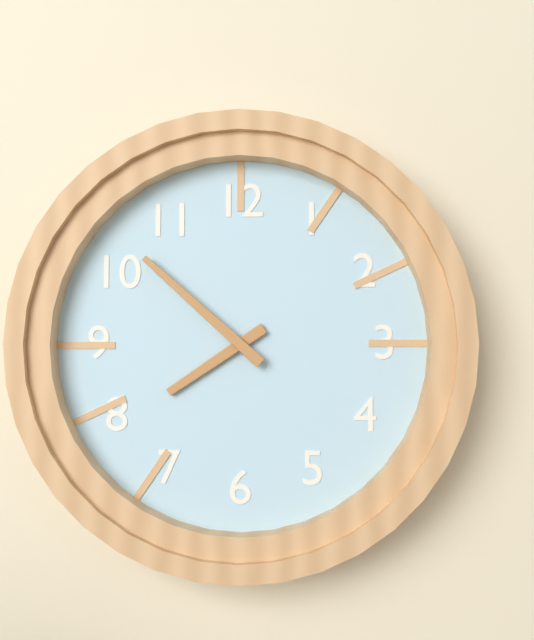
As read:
{"hour": 7, "minute": 52}
